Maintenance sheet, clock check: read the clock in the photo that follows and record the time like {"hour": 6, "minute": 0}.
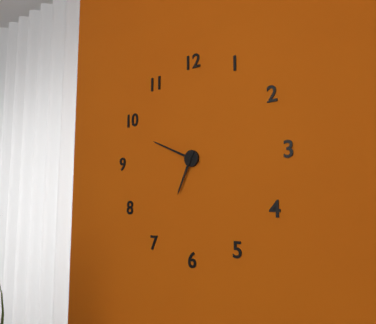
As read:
{"hour": 6, "minute": 49}
